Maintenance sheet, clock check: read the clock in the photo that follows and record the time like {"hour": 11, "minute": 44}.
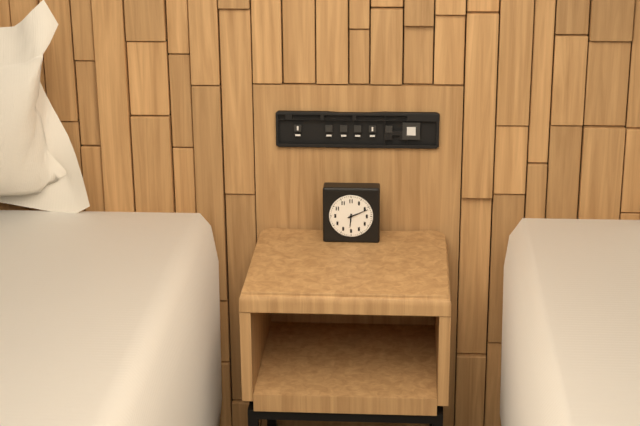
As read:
{"hour": 6, "minute": 11}
